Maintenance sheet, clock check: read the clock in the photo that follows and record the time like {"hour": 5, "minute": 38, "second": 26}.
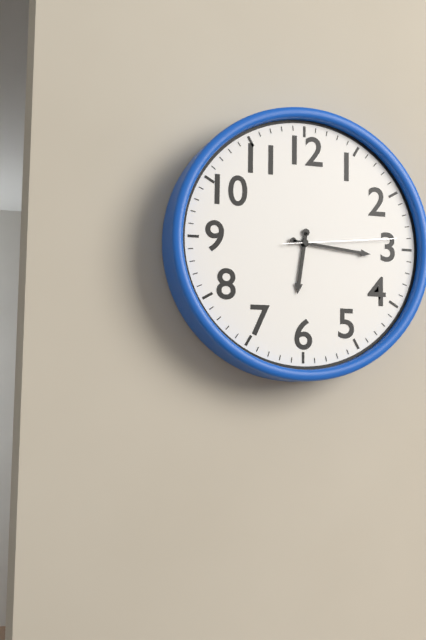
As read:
{"hour": 6, "minute": 16, "second": 14}
